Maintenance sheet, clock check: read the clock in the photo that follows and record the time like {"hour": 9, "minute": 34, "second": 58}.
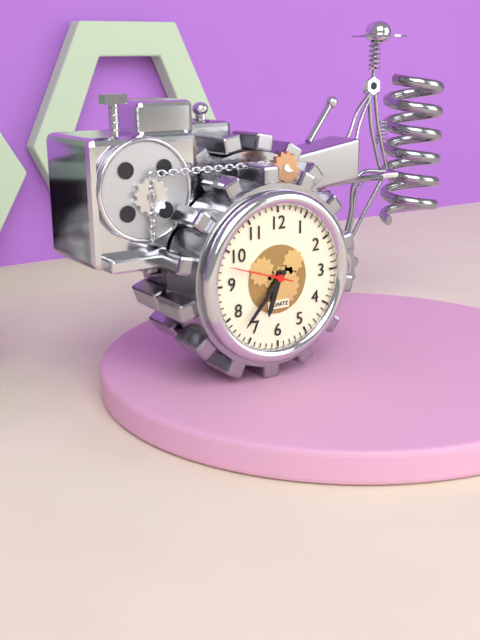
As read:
{"hour": 6, "minute": 37, "second": 48}
